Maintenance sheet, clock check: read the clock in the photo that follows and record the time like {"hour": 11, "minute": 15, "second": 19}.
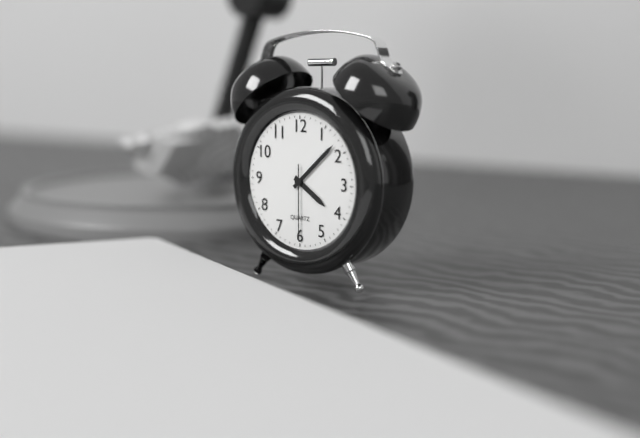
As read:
{"hour": 4, "minute": 8, "second": 30}
